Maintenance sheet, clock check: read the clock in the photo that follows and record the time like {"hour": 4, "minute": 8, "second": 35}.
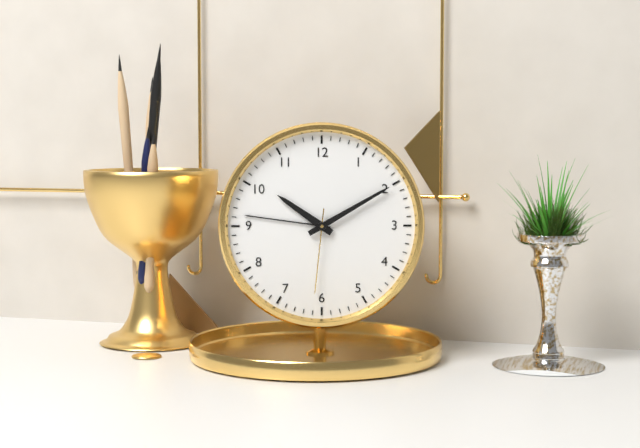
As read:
{"hour": 10, "minute": 10, "second": 31}
